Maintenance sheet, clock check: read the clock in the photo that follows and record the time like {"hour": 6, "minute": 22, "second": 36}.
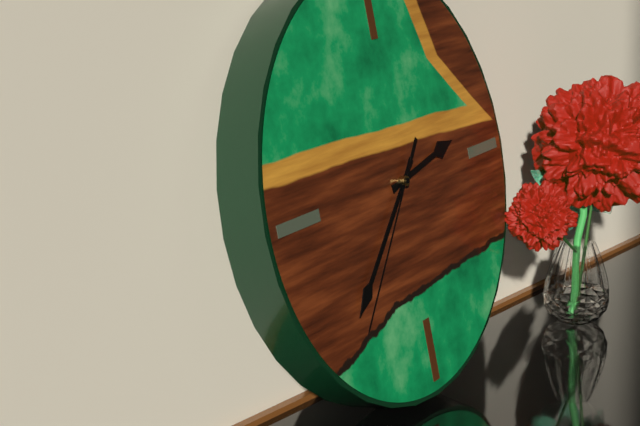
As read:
{"hour": 2, "minute": 38, "second": 37}
